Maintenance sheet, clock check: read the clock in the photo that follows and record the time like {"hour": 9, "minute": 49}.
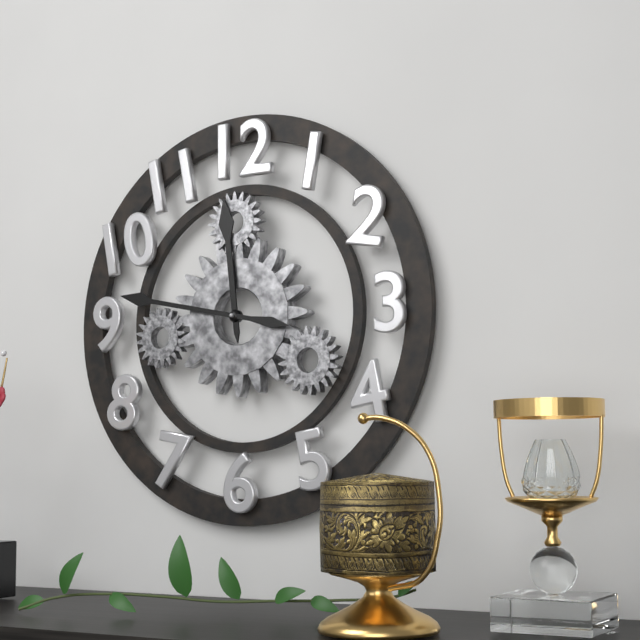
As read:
{"hour": 11, "minute": 47}
